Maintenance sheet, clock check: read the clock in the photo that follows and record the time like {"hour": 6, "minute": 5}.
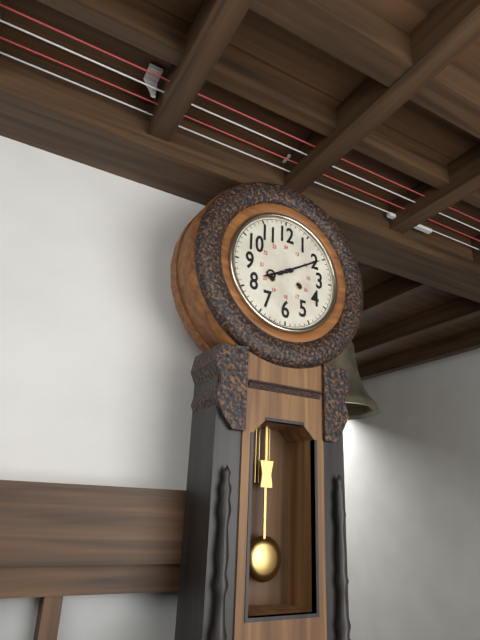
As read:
{"hour": 8, "minute": 10}
